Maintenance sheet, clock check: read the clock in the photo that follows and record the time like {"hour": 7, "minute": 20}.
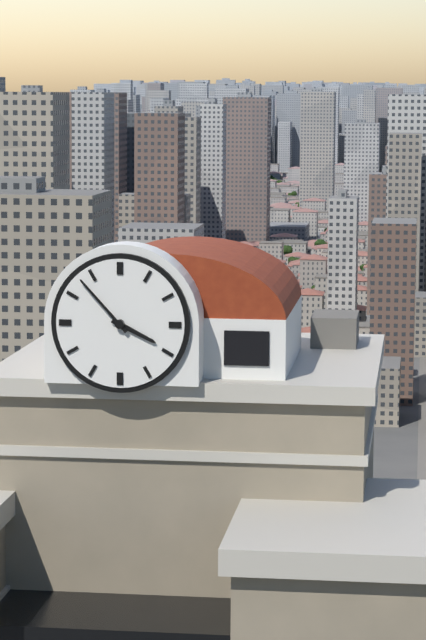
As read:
{"hour": 3, "minute": 53}
